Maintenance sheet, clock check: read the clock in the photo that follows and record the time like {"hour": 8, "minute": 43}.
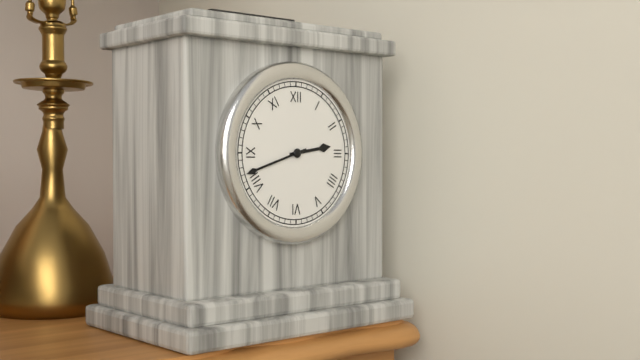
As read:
{"hour": 2, "minute": 42}
